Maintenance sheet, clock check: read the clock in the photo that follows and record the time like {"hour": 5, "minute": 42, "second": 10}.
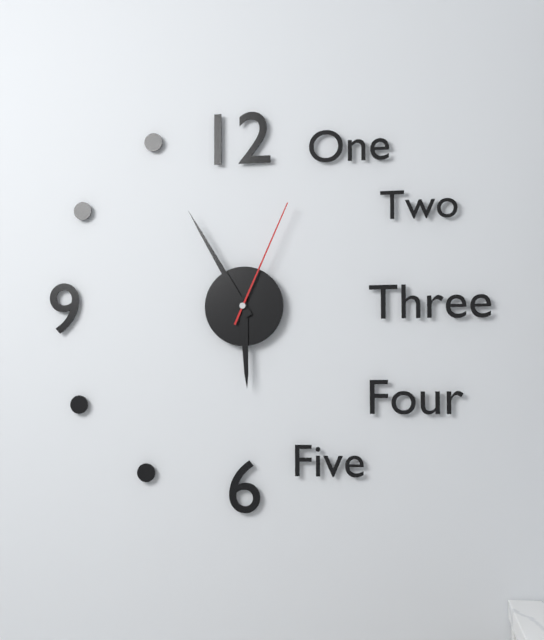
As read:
{"hour": 5, "minute": 55, "second": 4}
